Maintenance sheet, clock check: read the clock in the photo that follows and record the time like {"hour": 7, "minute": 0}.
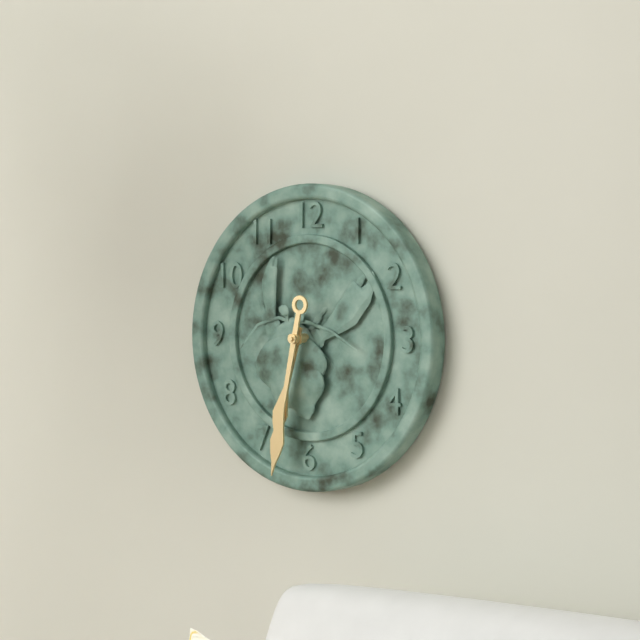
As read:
{"hour": 6, "minute": 32}
